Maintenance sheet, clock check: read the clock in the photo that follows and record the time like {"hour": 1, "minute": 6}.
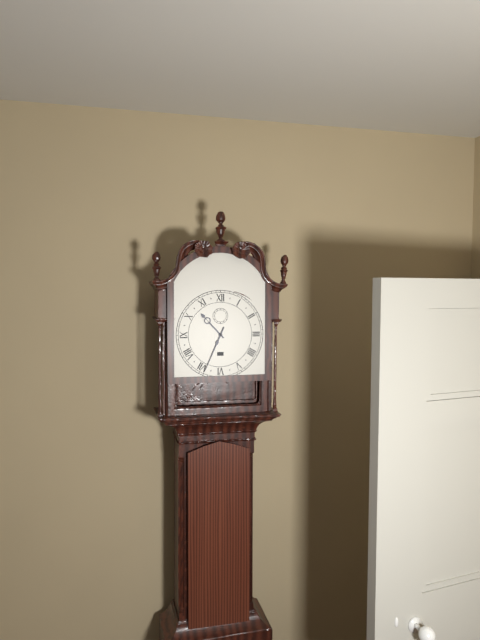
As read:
{"hour": 10, "minute": 34}
